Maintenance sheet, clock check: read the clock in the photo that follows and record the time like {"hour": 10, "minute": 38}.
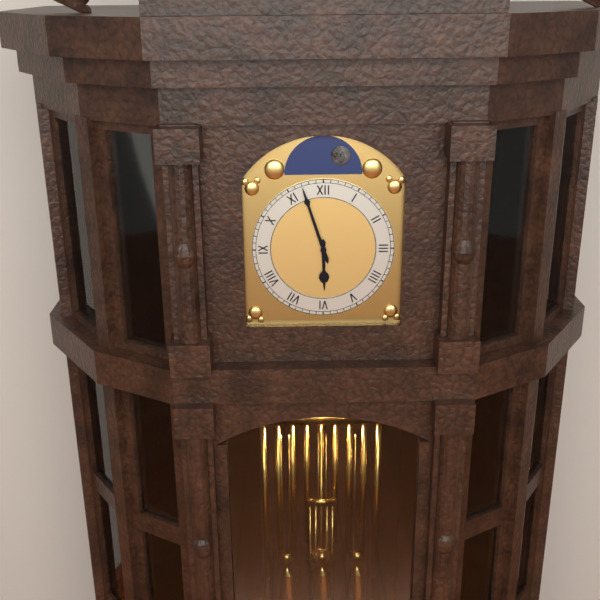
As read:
{"hour": 5, "minute": 57}
